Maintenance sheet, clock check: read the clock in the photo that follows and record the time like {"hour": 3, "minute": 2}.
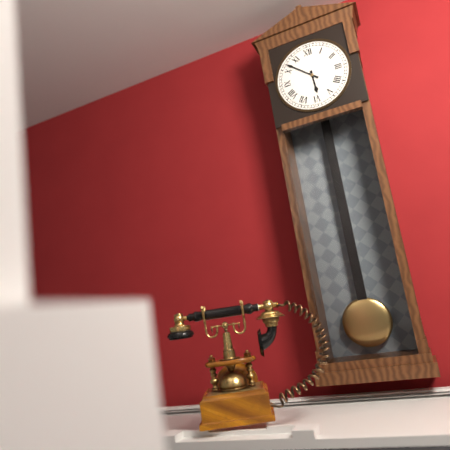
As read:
{"hour": 5, "minute": 52}
